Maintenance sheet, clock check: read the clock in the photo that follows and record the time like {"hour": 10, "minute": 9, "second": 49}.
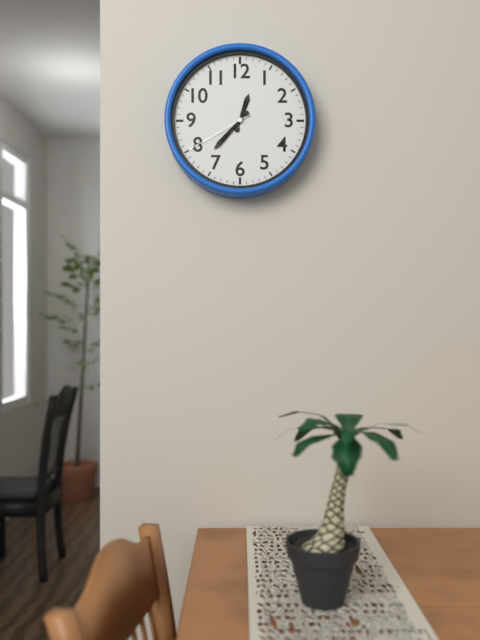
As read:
{"hour": 12, "minute": 37, "second": 40}
